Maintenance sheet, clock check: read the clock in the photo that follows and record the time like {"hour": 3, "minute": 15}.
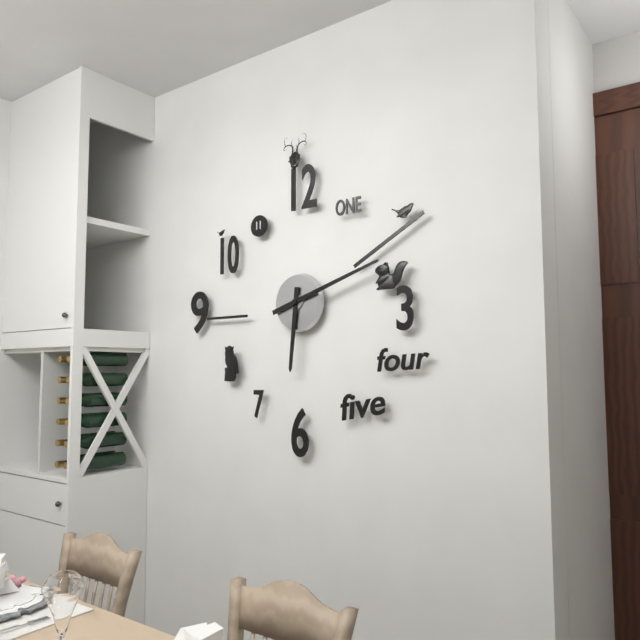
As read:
{"hour": 6, "minute": 12}
